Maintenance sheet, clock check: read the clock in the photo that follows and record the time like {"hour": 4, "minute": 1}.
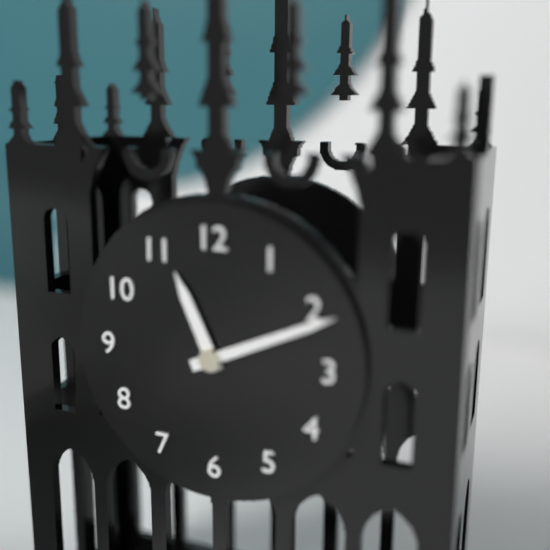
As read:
{"hour": 11, "minute": 11}
